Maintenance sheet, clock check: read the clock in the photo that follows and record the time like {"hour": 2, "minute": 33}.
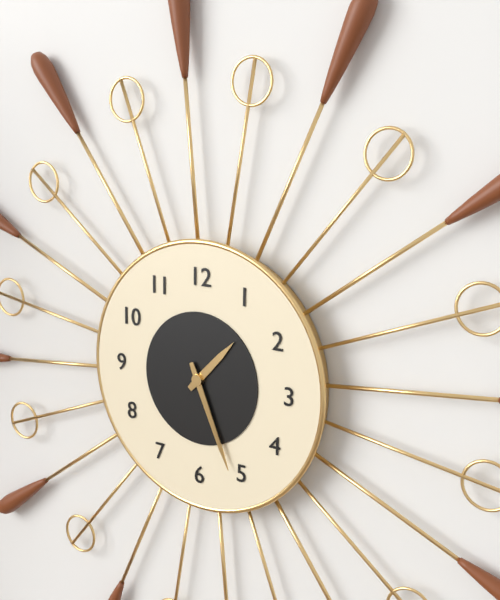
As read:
{"hour": 1, "minute": 26}
